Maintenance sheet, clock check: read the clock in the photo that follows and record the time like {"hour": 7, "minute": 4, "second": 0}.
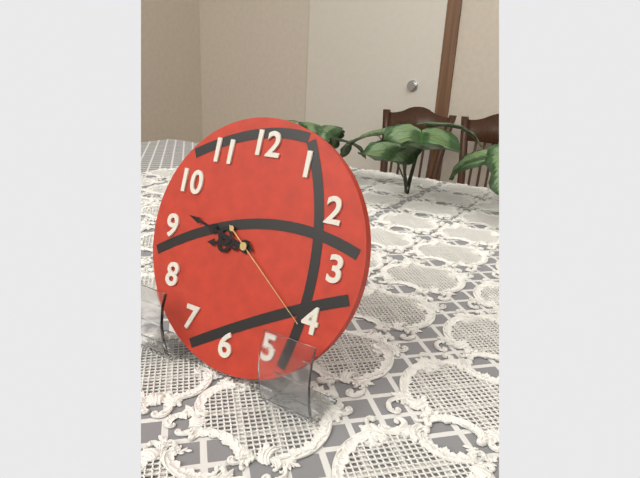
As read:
{"hour": 8, "minute": 47, "second": 21}
